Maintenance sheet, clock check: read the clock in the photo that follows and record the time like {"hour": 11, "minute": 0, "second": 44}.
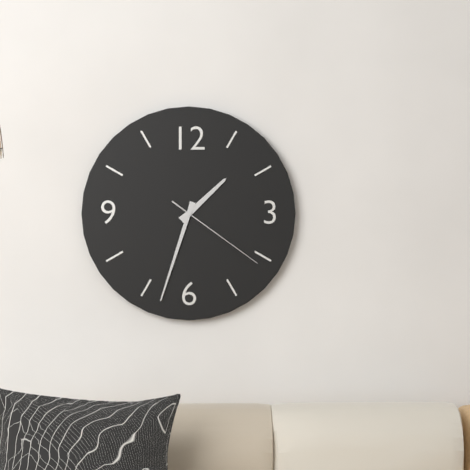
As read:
{"hour": 1, "minute": 33, "second": 21}
